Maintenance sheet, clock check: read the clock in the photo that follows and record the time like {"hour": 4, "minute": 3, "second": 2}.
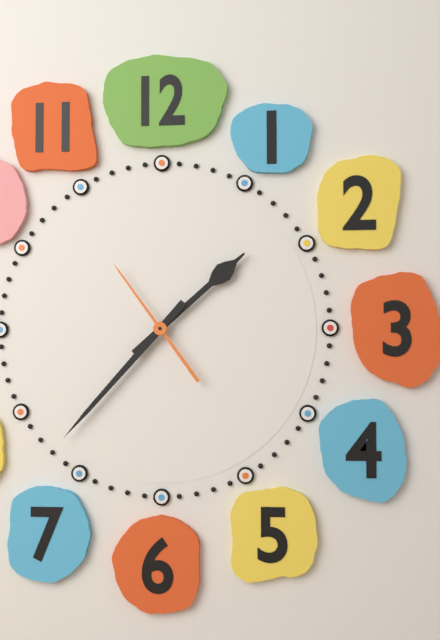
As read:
{"hour": 1, "minute": 37, "second": 54}
